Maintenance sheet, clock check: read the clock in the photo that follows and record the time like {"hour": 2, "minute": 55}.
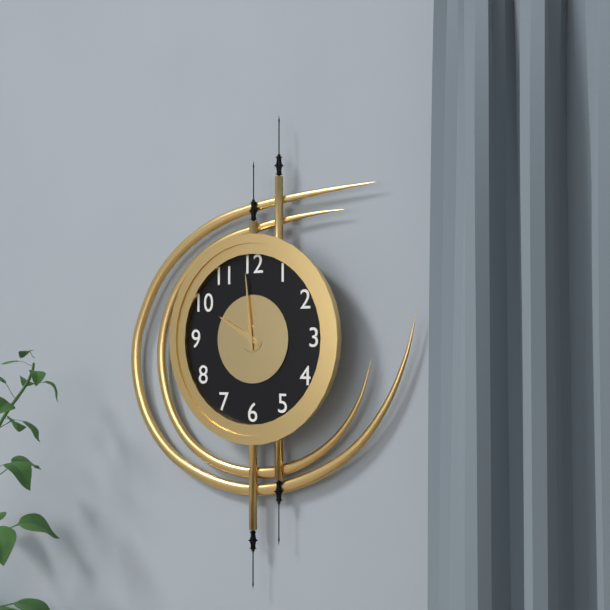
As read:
{"hour": 9, "minute": 59}
